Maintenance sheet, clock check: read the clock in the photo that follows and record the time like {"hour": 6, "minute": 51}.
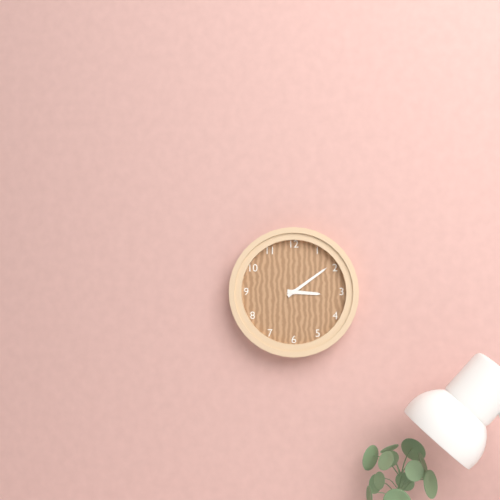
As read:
{"hour": 3, "minute": 9}
